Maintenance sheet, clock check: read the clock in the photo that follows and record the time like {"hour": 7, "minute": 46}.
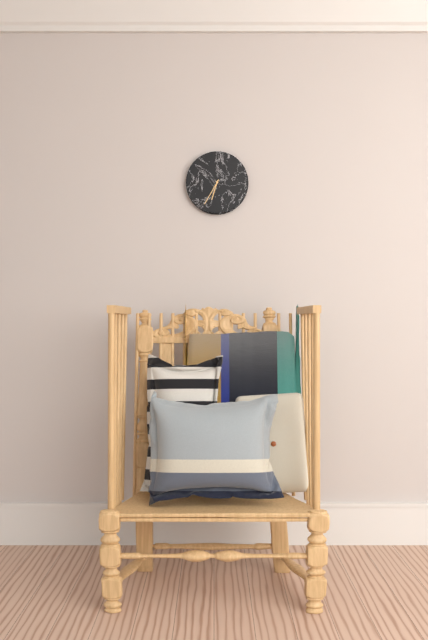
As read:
{"hour": 6, "minute": 35}
